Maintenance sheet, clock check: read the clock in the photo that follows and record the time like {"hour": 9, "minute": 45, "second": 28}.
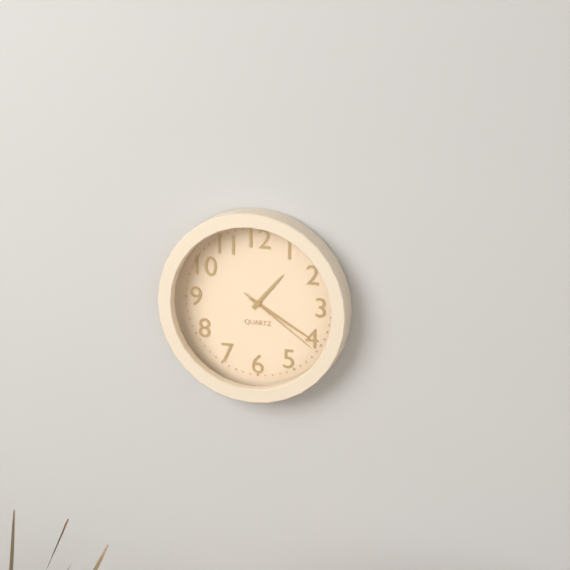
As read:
{"hour": 1, "minute": 20, "second": 21}
